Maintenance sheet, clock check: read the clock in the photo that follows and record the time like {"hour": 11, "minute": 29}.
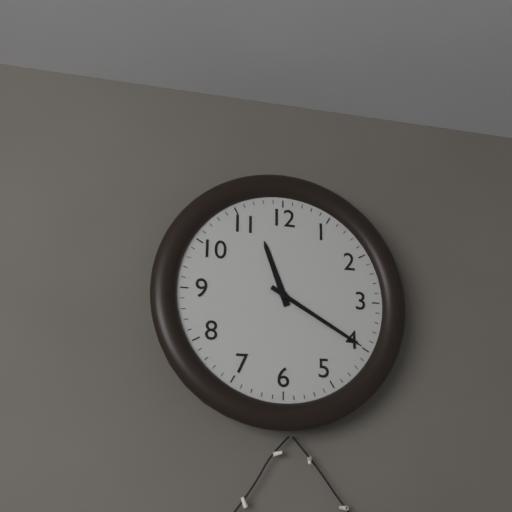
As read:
{"hour": 11, "minute": 20}
